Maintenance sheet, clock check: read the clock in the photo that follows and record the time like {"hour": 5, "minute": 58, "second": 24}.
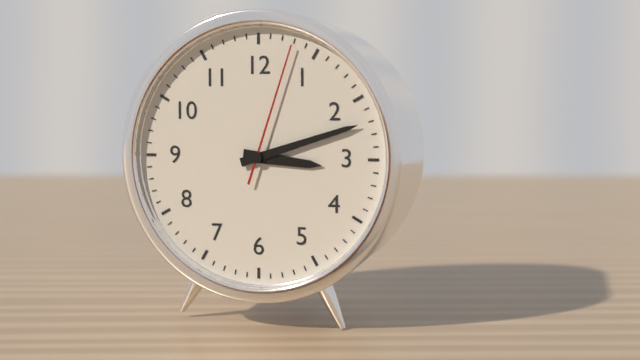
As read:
{"hour": 3, "minute": 12, "second": 3}
